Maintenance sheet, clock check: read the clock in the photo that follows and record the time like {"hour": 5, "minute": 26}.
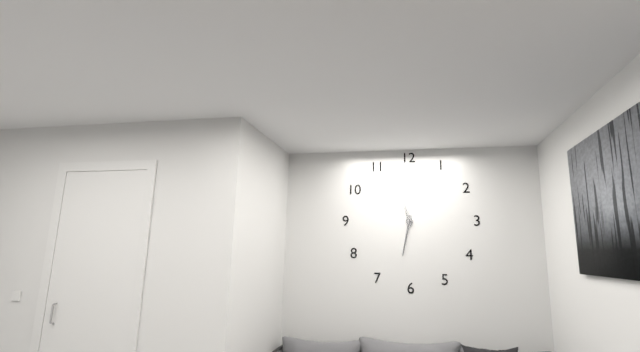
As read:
{"hour": 11, "minute": 32}
